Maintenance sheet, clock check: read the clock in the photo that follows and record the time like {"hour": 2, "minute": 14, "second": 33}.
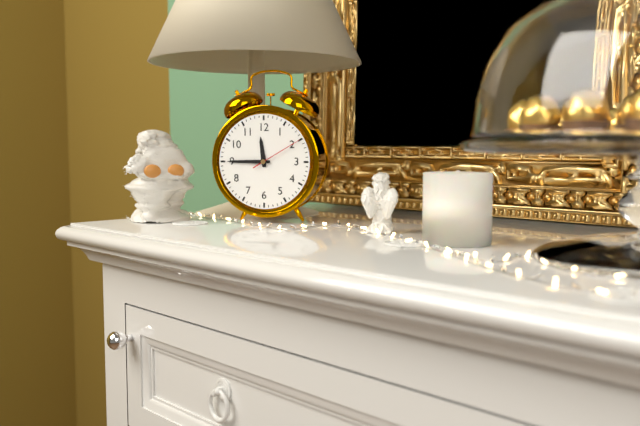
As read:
{"hour": 11, "minute": 45, "second": 10}
